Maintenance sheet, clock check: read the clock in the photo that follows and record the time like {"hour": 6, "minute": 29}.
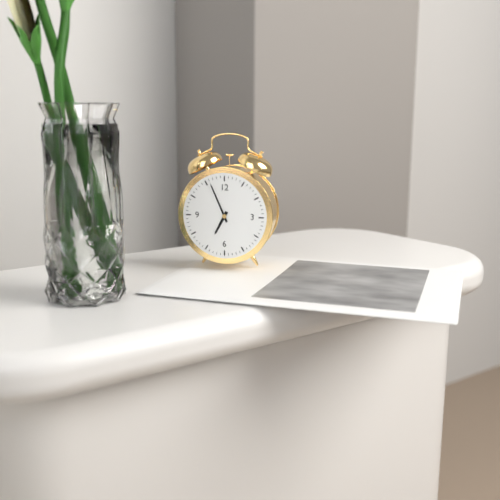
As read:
{"hour": 6, "minute": 56}
